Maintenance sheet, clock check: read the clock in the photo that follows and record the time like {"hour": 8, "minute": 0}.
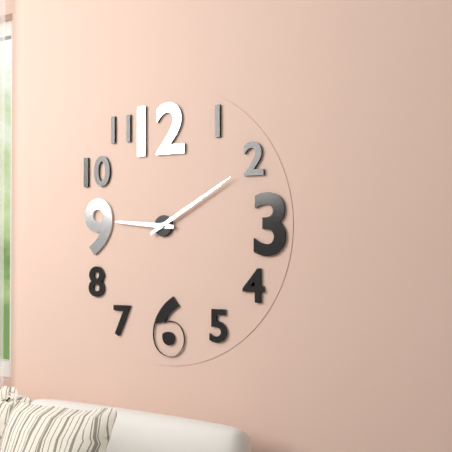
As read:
{"hour": 9, "minute": 10}
